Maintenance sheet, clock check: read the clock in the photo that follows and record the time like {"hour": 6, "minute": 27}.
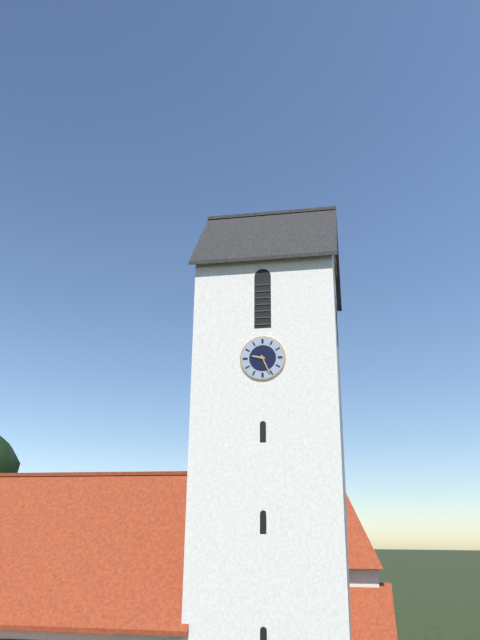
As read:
{"hour": 9, "minute": 26}
